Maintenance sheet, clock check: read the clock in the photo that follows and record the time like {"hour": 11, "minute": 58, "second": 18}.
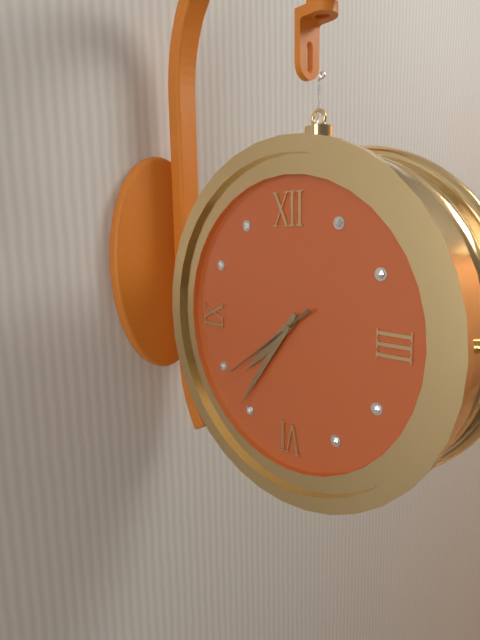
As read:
{"hour": 7, "minute": 36, "second": 39}
